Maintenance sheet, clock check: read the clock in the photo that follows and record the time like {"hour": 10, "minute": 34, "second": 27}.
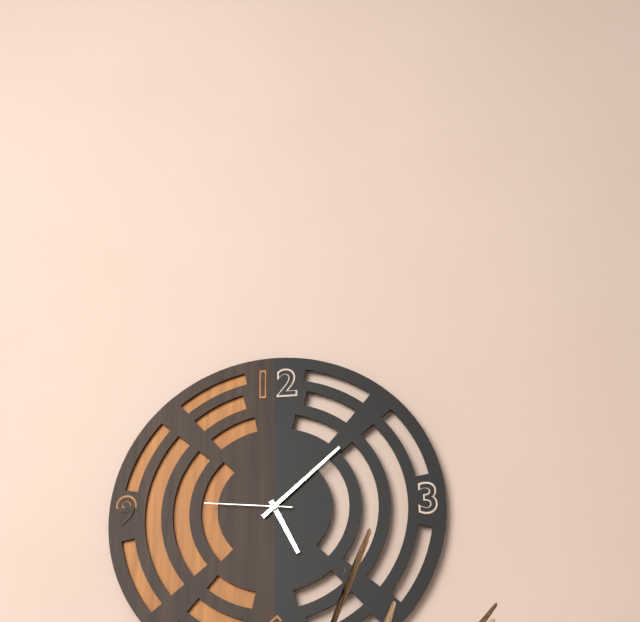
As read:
{"hour": 5, "minute": 8, "second": 46}
